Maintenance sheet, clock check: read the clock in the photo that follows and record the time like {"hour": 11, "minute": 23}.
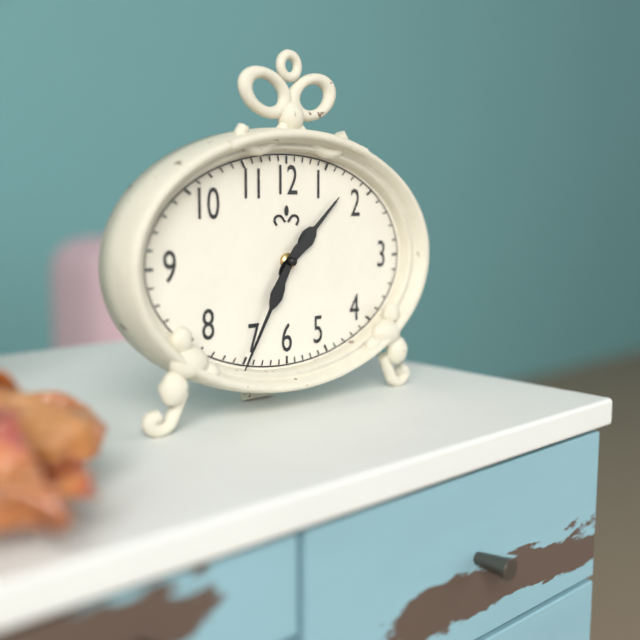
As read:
{"hour": 1, "minute": 35}
